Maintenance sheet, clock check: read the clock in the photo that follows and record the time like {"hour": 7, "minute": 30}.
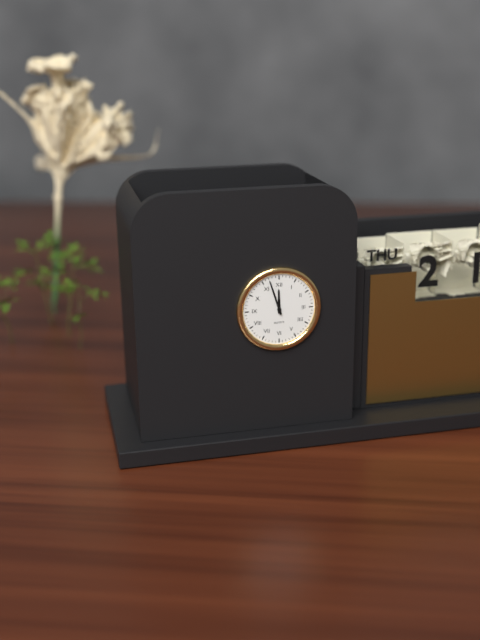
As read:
{"hour": 11, "minute": 57}
